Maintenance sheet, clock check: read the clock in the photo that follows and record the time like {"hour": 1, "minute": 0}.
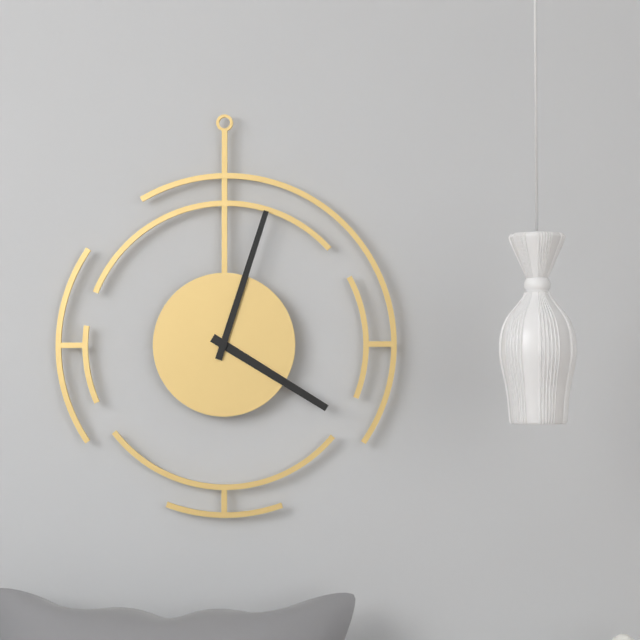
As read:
{"hour": 4, "minute": 3}
